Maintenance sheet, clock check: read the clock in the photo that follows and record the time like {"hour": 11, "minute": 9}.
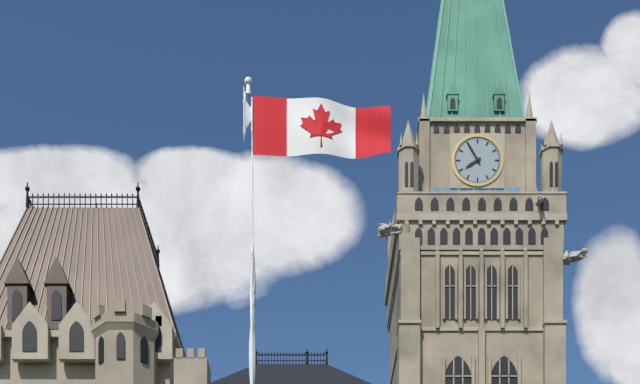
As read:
{"hour": 7, "minute": 55}
